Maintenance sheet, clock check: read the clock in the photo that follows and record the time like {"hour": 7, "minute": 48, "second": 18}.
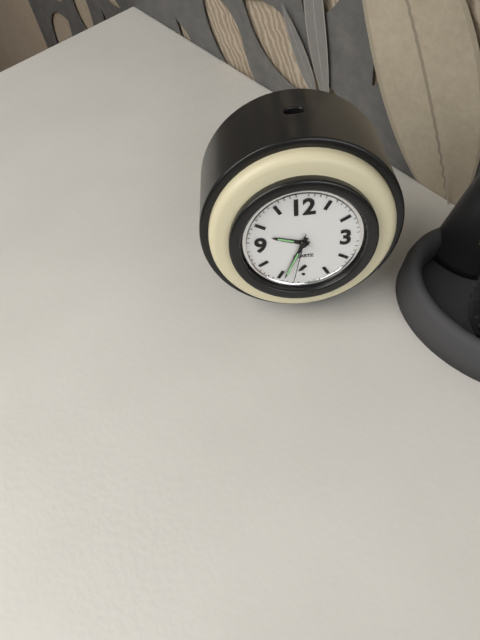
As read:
{"hour": 9, "minute": 34, "second": 32}
